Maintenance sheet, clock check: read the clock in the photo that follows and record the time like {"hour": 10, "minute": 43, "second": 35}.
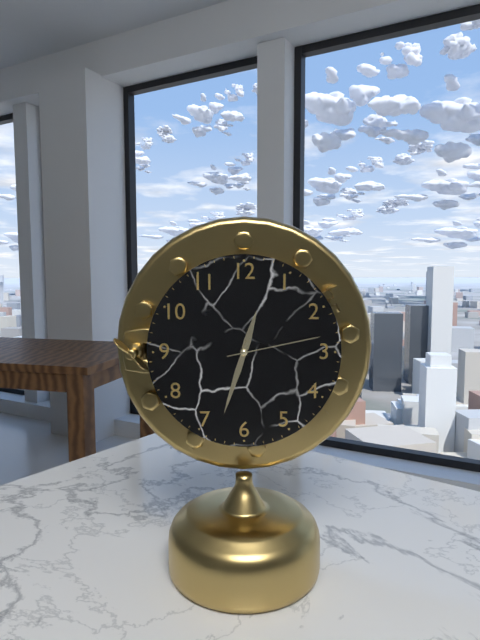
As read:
{"hour": 12, "minute": 33, "second": 13}
